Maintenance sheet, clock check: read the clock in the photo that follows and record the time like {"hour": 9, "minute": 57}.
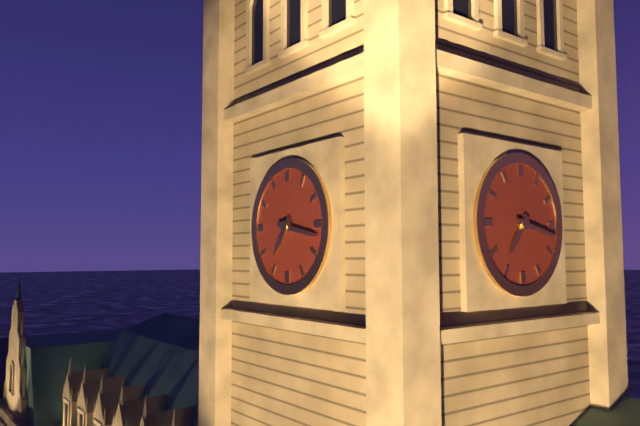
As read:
{"hour": 7, "minute": 17}
